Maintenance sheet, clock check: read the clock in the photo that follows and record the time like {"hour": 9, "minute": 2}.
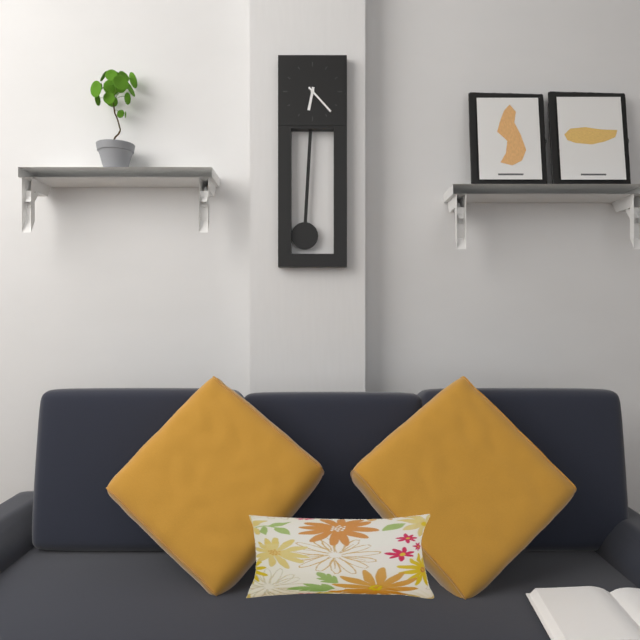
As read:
{"hour": 6, "minute": 23}
